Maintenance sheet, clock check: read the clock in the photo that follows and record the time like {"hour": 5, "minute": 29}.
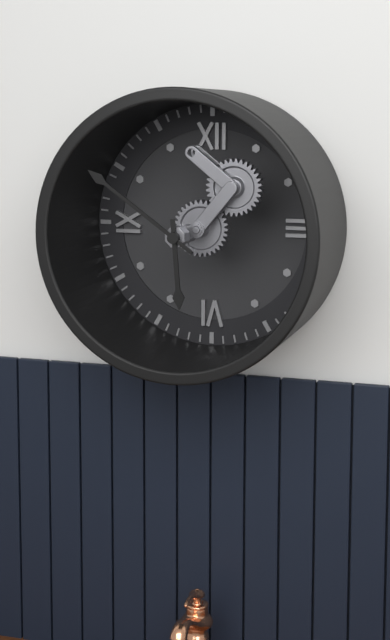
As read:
{"hour": 5, "minute": 51}
